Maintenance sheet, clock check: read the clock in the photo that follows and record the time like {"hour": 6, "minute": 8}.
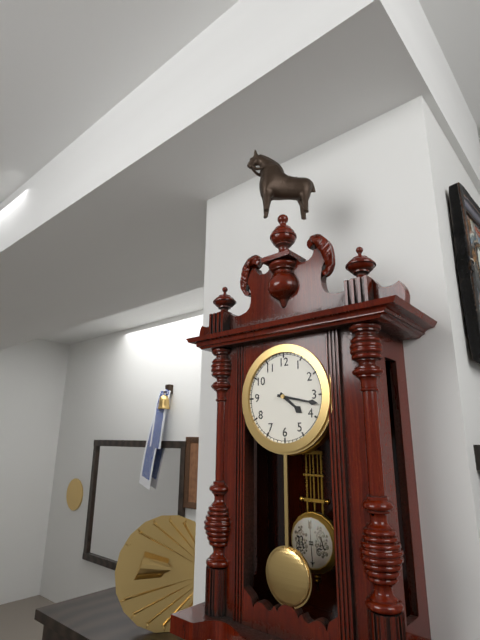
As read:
{"hour": 4, "minute": 17}
